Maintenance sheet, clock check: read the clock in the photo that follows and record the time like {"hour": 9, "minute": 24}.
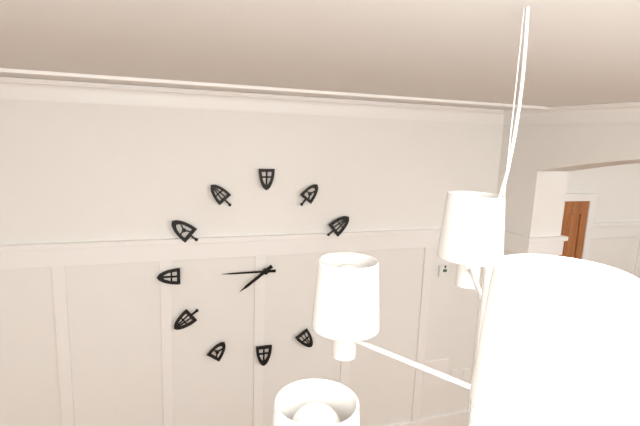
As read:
{"hour": 7, "minute": 45}
